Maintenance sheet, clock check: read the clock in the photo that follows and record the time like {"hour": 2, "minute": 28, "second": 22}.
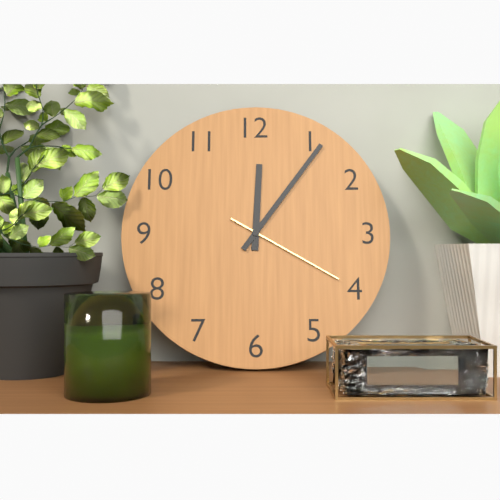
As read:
{"hour": 12, "minute": 6, "second": 20}
